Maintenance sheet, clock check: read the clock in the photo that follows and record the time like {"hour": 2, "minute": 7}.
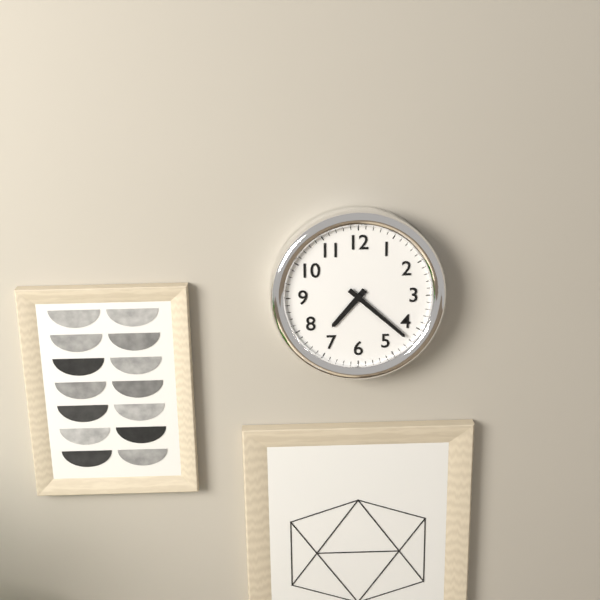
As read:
{"hour": 7, "minute": 22}
